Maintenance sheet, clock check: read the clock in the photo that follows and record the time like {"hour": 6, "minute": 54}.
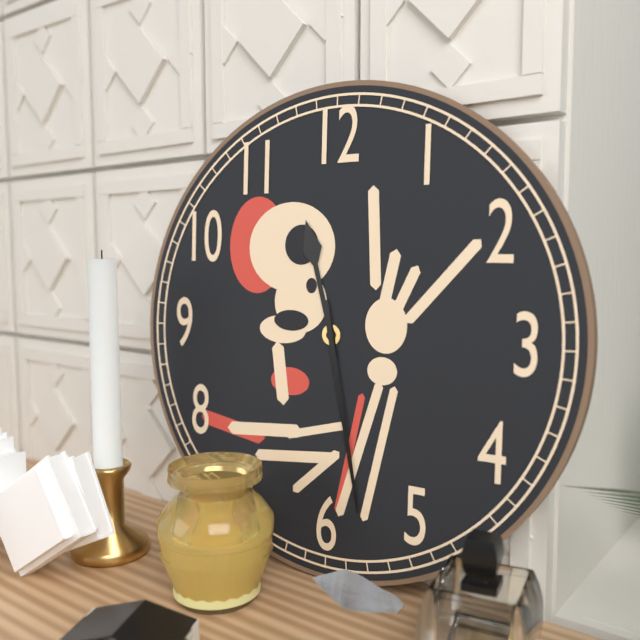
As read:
{"hour": 11, "minute": 28}
